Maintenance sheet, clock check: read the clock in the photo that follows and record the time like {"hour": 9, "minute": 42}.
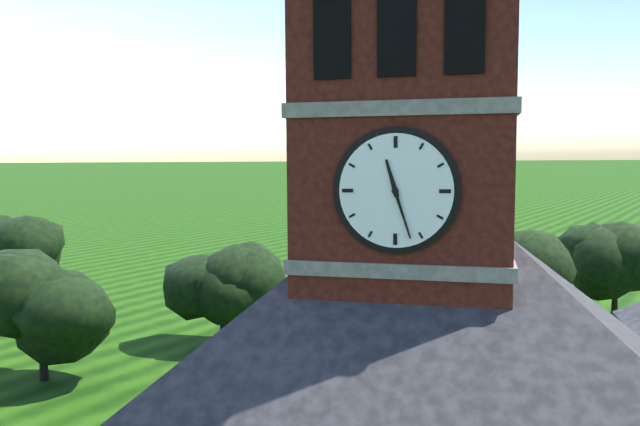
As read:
{"hour": 11, "minute": 27}
